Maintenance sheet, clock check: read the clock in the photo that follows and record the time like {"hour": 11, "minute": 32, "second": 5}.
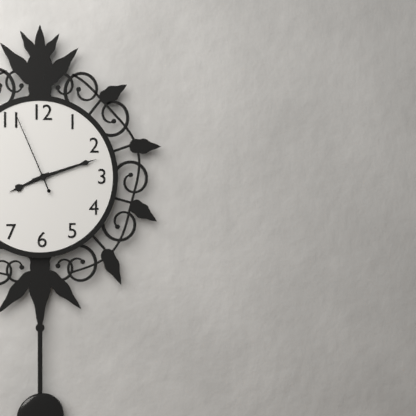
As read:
{"hour": 8, "minute": 12, "second": 56}
